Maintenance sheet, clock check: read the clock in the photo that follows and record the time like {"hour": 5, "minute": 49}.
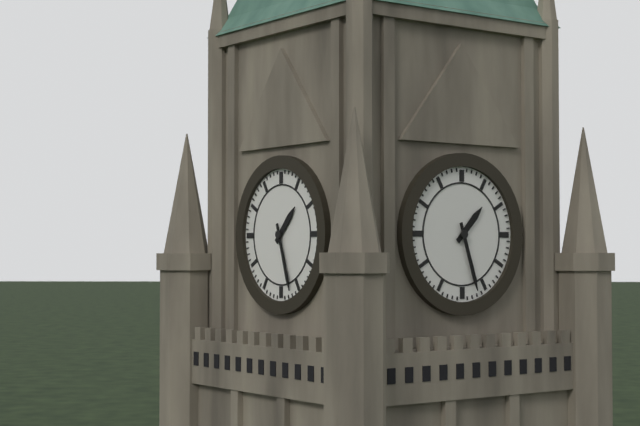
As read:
{"hour": 1, "minute": 27}
